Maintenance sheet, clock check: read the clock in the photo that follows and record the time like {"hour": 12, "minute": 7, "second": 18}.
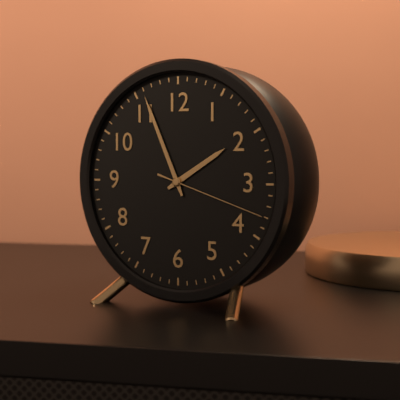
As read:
{"hour": 1, "minute": 56, "second": 18}
